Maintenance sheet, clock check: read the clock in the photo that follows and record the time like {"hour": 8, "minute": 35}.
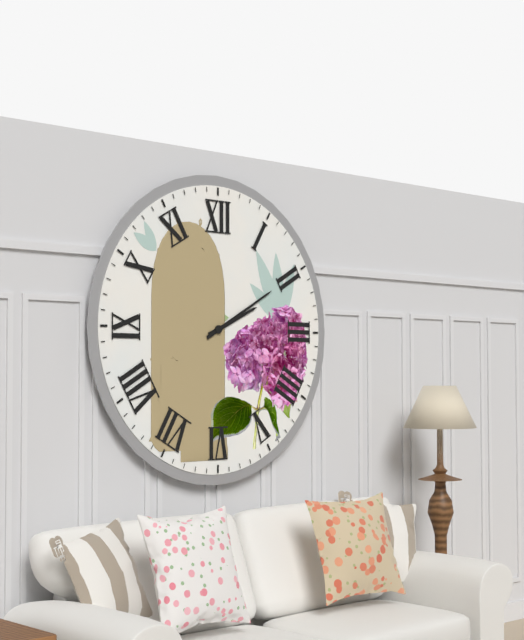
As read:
{"hour": 2, "minute": 10}
